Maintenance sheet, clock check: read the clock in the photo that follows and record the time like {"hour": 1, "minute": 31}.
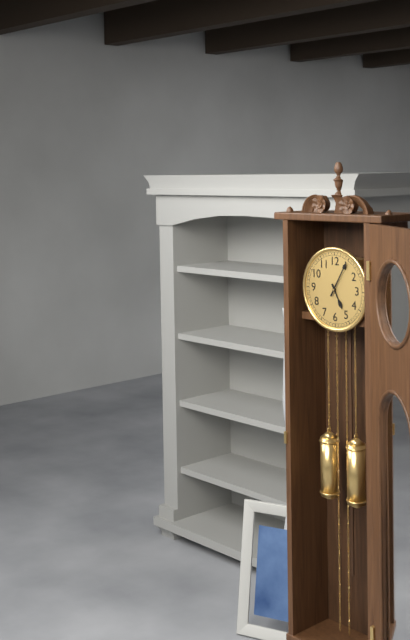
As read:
{"hour": 5, "minute": 5}
